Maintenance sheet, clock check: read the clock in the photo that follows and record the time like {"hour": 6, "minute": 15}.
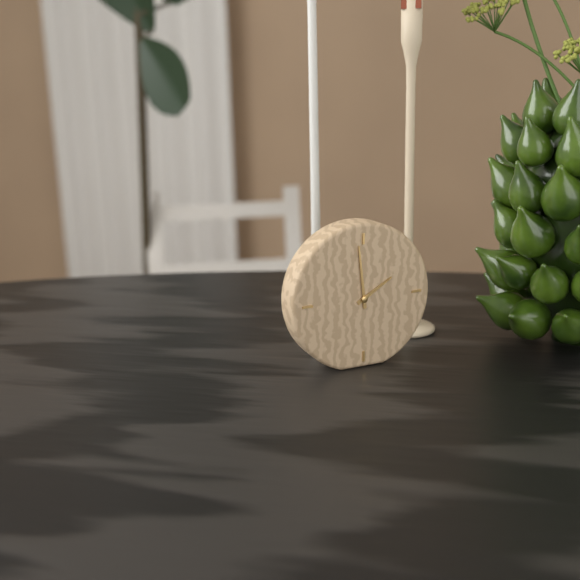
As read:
{"hour": 1, "minute": 59}
